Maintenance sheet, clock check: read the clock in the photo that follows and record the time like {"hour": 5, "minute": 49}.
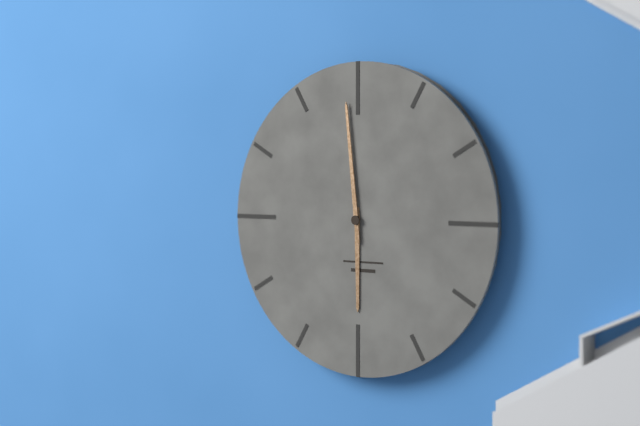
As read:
{"hour": 5, "minute": 59}
